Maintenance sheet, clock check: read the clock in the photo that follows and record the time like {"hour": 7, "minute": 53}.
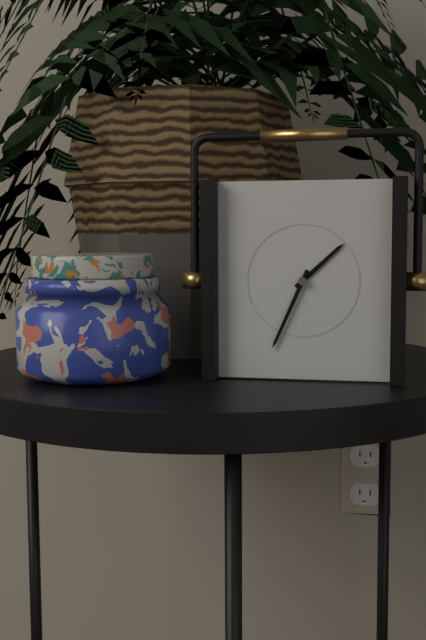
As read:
{"hour": 1, "minute": 34}
